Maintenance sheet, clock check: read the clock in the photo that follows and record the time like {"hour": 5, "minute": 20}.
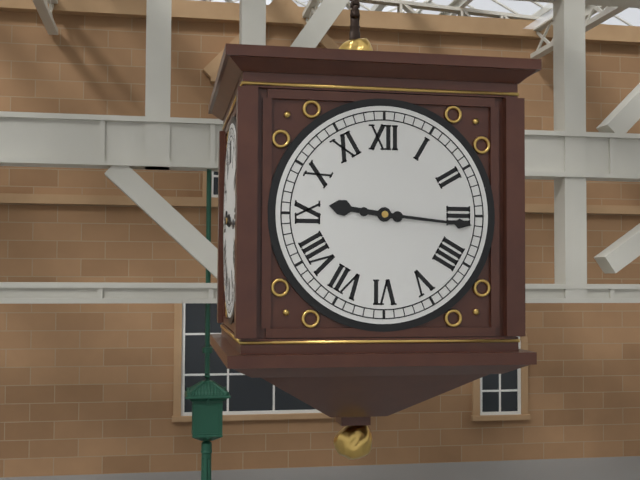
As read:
{"hour": 9, "minute": 16}
